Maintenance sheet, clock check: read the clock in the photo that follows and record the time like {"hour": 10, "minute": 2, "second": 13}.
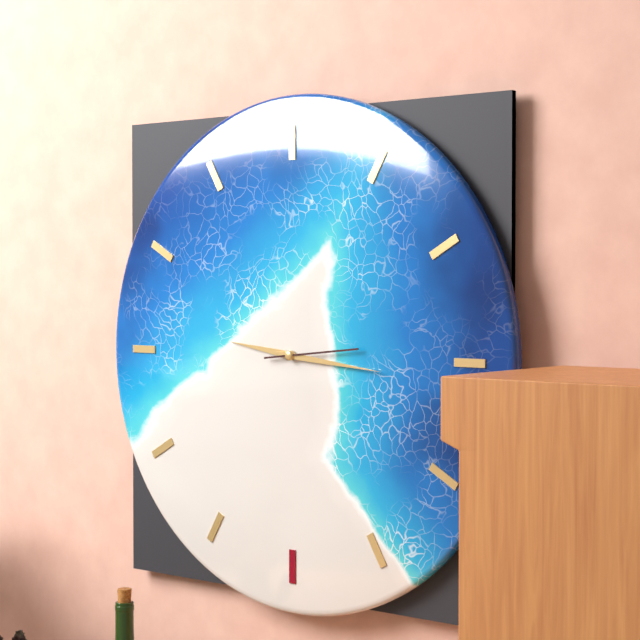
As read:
{"hour": 9, "minute": 16, "second": 14}
